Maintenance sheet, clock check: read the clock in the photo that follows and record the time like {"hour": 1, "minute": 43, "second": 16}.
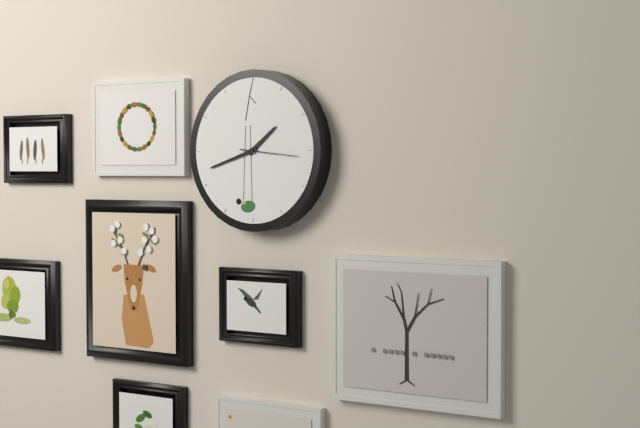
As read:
{"hour": 1, "minute": 42, "second": 16}
